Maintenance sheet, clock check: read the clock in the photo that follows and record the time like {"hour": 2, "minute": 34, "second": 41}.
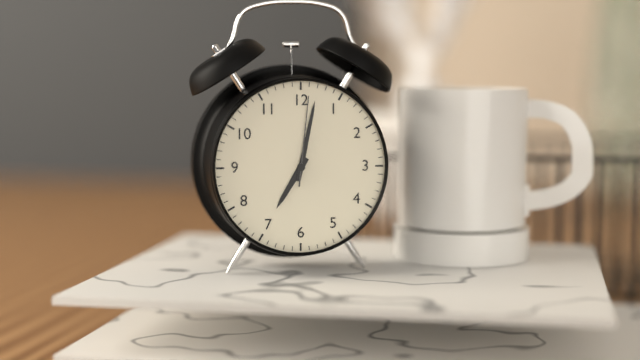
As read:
{"hour": 7, "minute": 2, "second": 1}
